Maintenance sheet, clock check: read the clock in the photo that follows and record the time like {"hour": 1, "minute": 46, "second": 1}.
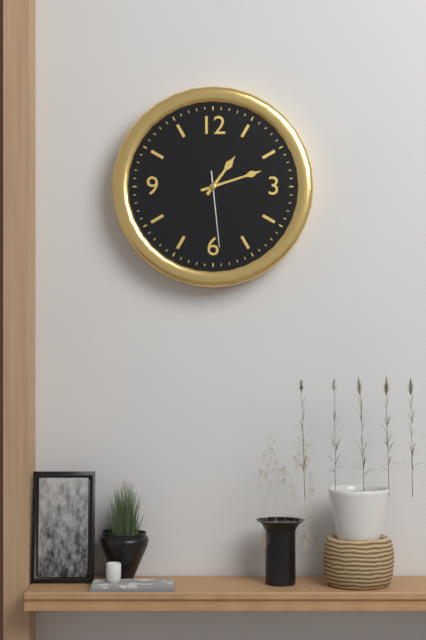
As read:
{"hour": 1, "minute": 12, "second": 29}
